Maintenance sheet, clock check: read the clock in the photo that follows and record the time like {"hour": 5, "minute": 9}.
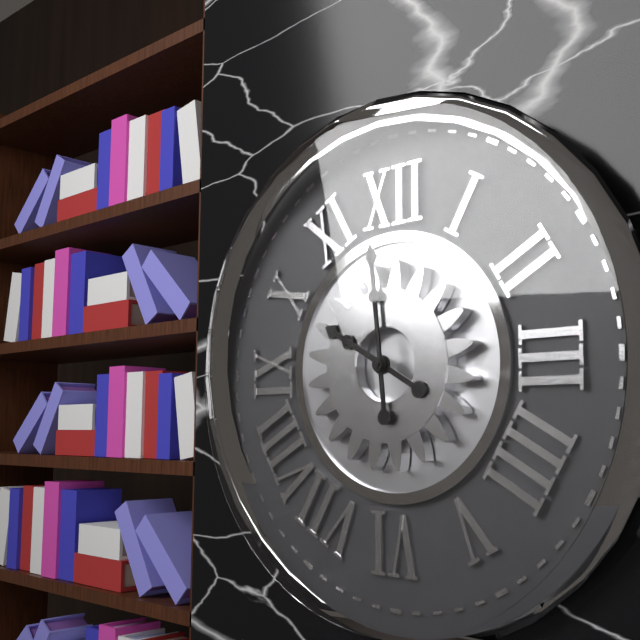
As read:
{"hour": 9, "minute": 59}
